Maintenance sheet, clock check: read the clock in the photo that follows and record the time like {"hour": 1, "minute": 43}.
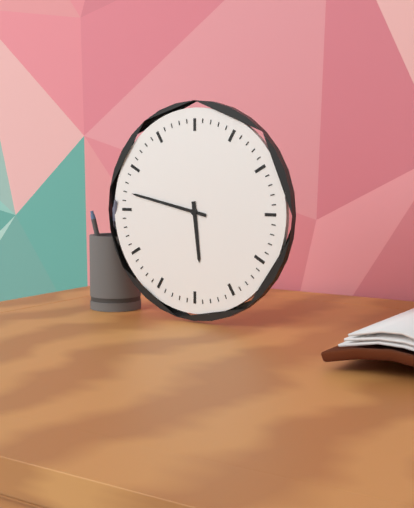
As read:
{"hour": 5, "minute": 47}
